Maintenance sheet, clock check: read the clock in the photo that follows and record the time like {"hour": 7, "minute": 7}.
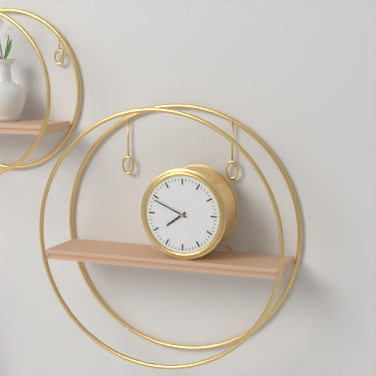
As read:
{"hour": 7, "minute": 49}
